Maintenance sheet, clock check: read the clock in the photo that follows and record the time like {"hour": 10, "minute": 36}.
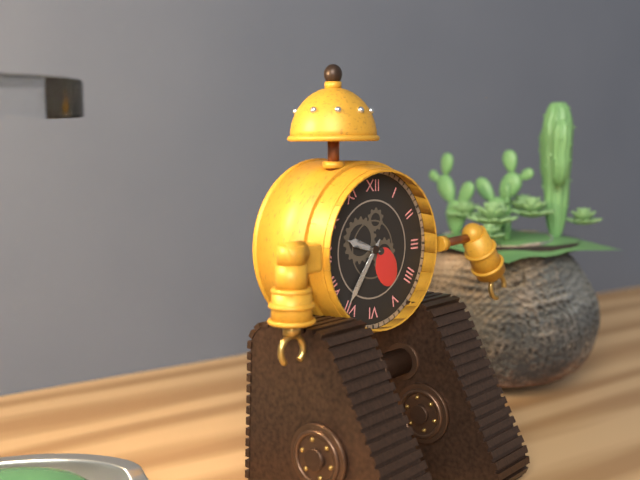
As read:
{"hour": 9, "minute": 36}
